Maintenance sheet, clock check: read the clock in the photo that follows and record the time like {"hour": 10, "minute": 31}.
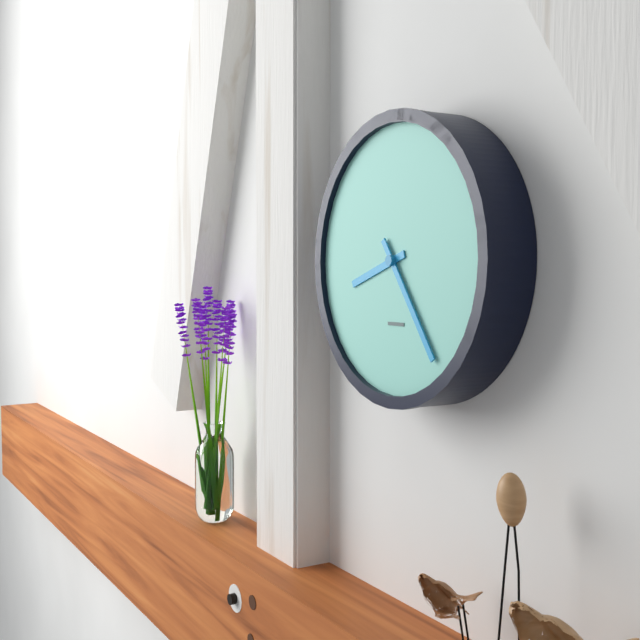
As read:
{"hour": 8, "minute": 24}
